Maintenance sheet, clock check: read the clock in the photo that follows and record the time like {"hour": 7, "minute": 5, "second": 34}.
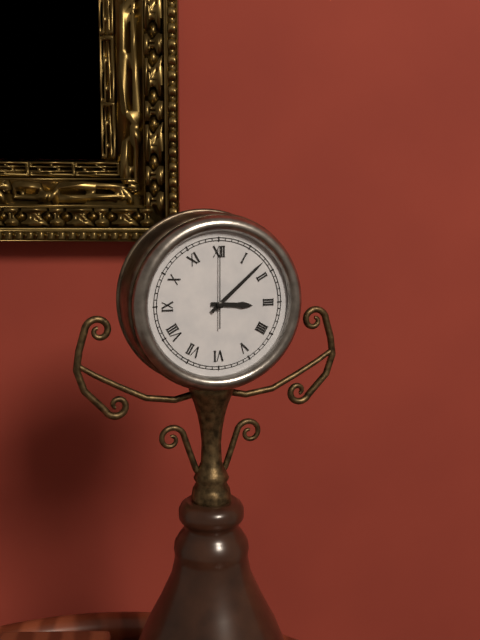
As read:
{"hour": 3, "minute": 8, "second": 0}
